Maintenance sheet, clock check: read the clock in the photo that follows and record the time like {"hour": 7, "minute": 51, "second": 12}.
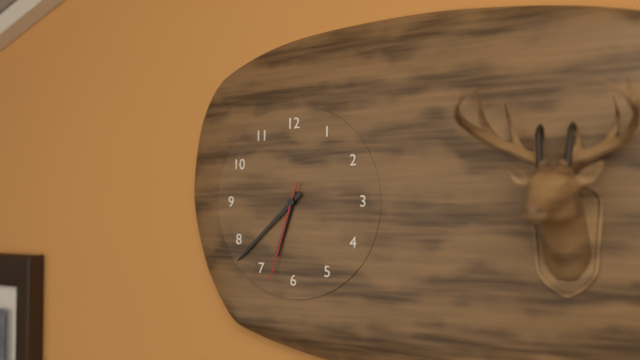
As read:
{"hour": 6, "minute": 38, "second": 33}
